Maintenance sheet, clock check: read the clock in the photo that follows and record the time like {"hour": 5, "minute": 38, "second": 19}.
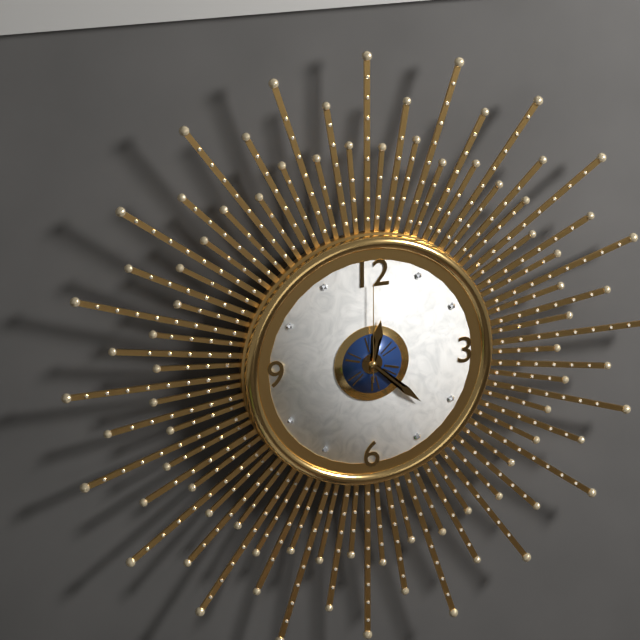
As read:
{"hour": 12, "minute": 22, "second": 0}
